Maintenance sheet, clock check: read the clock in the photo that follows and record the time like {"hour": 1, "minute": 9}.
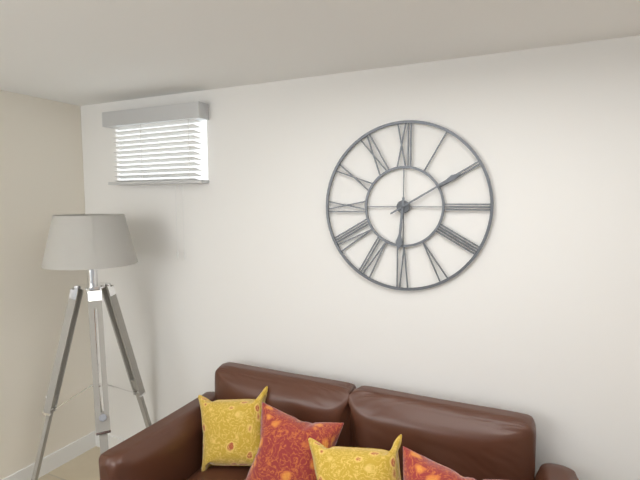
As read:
{"hour": 6, "minute": 10}
